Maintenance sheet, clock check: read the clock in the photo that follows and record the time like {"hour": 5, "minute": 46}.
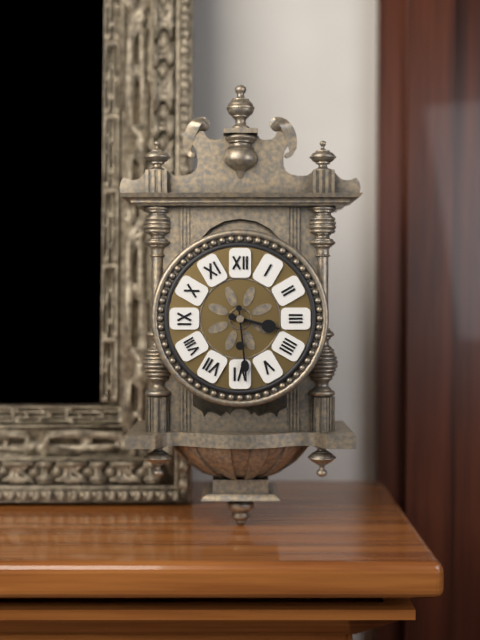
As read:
{"hour": 3, "minute": 29}
